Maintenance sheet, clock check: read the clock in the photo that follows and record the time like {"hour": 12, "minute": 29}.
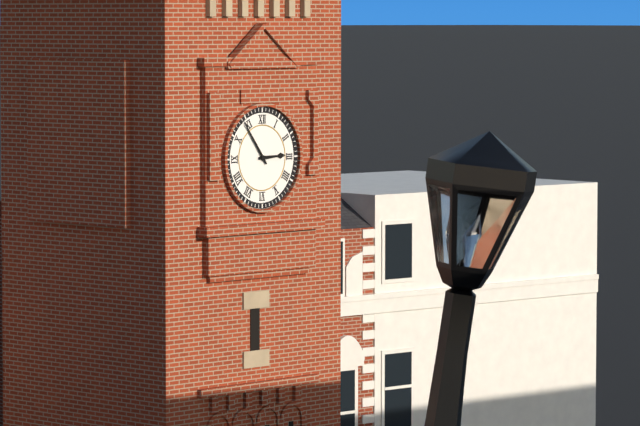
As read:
{"hour": 2, "minute": 54}
